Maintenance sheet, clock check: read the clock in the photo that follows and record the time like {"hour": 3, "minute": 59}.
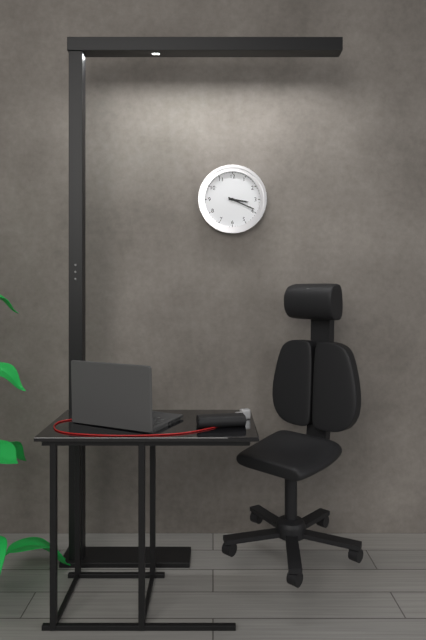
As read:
{"hour": 3, "minute": 19}
